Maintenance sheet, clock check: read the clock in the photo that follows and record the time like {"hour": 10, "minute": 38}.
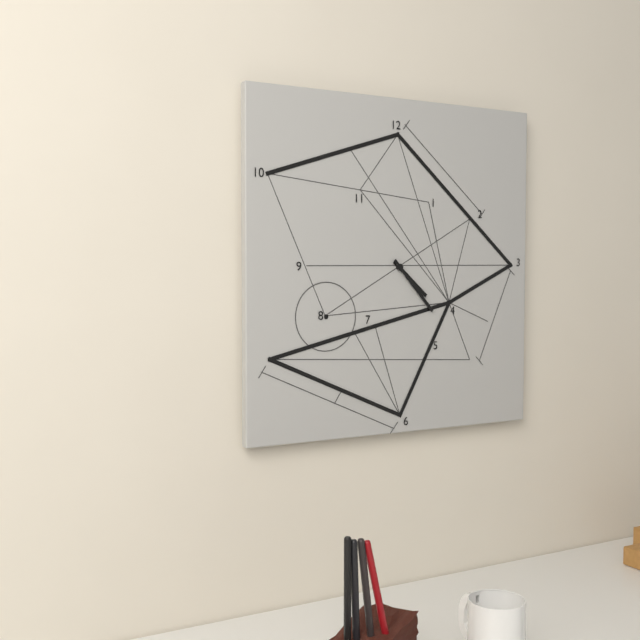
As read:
{"hour": 4, "minute": 23}
